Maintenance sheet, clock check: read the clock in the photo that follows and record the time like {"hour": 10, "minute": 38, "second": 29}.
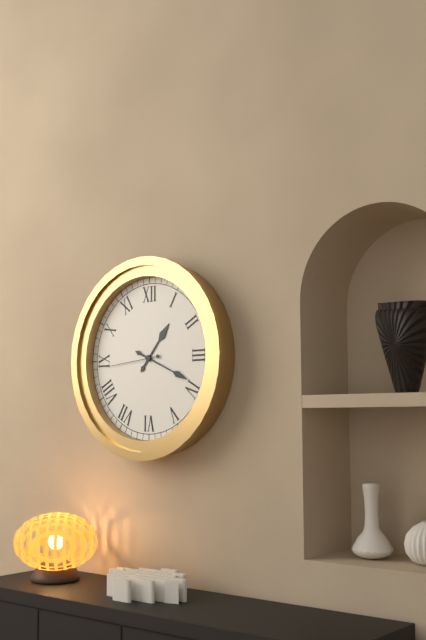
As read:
{"hour": 1, "minute": 19, "second": 44}
